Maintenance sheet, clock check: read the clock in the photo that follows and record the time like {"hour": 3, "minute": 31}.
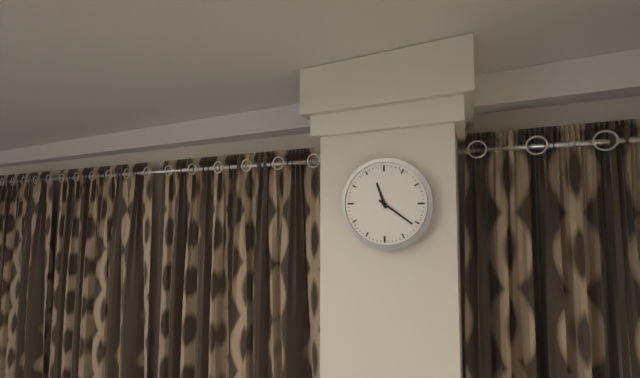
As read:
{"hour": 11, "minute": 21}
